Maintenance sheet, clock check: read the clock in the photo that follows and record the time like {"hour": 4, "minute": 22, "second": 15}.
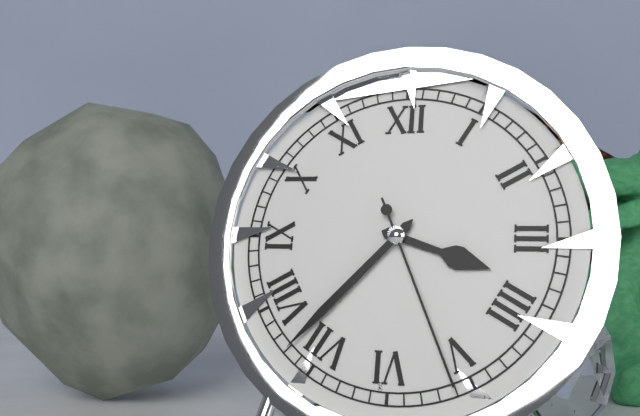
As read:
{"hour": 3, "minute": 37, "second": 26}
